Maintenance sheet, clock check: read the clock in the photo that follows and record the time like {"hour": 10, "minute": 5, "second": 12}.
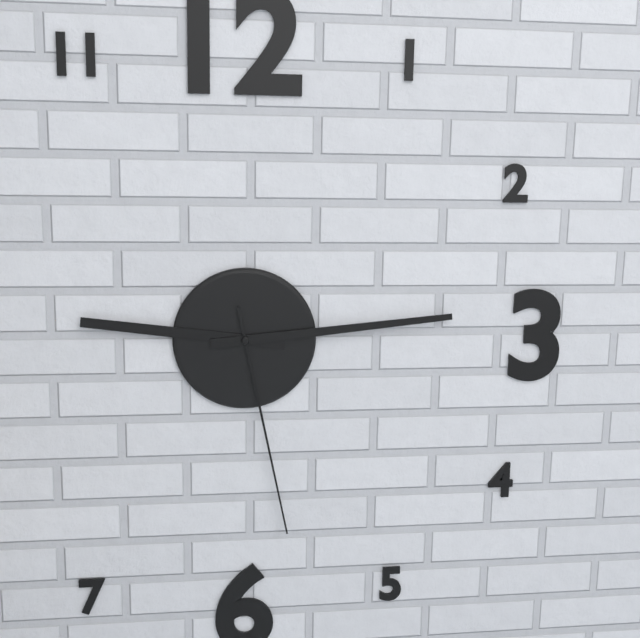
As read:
{"hour": 9, "minute": 14, "second": 28}
